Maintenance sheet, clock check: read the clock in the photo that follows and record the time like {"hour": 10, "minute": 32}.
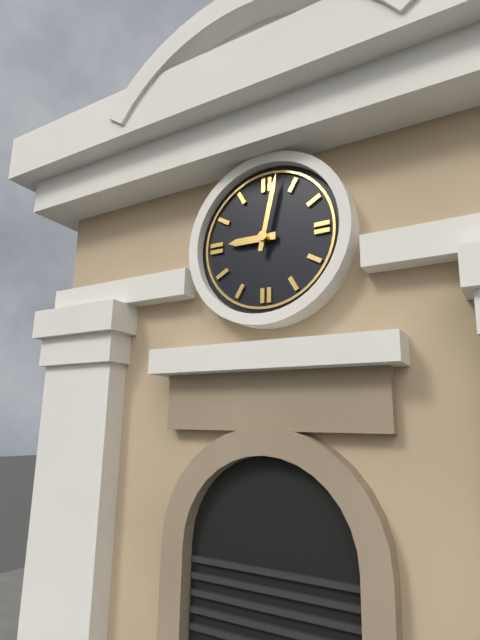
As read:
{"hour": 9, "minute": 2}
